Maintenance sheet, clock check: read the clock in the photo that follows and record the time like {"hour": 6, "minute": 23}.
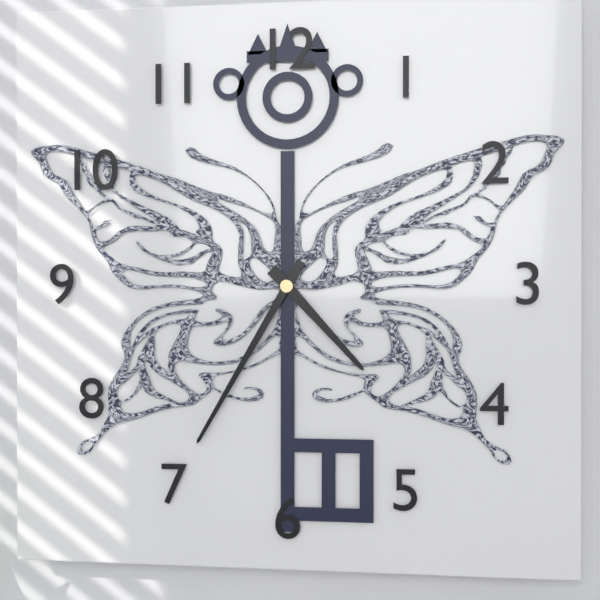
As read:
{"hour": 4, "minute": 35}
